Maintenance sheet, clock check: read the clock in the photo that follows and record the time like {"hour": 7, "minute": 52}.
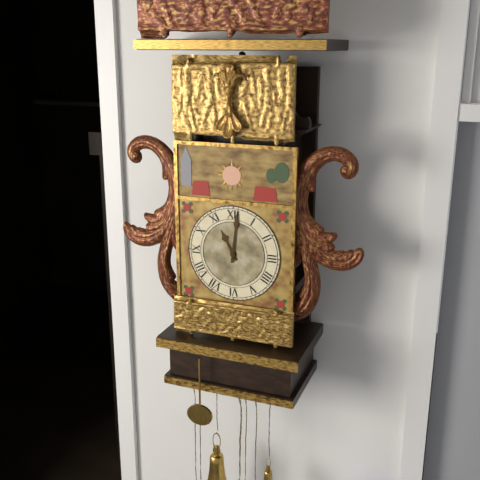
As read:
{"hour": 11, "minute": 1}
